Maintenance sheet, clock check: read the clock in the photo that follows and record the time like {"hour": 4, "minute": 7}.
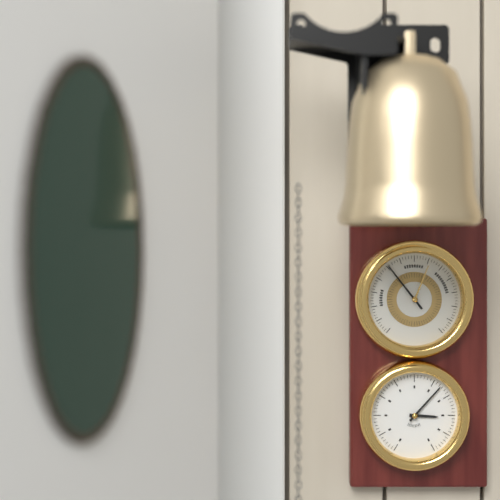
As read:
{"hour": 3, "minute": 7}
